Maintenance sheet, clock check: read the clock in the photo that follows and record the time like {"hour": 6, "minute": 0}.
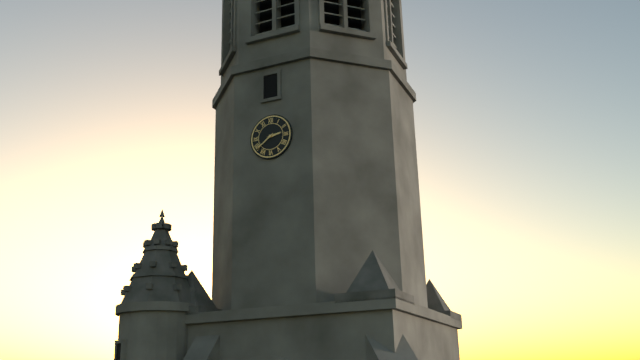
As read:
{"hour": 2, "minute": 39}
